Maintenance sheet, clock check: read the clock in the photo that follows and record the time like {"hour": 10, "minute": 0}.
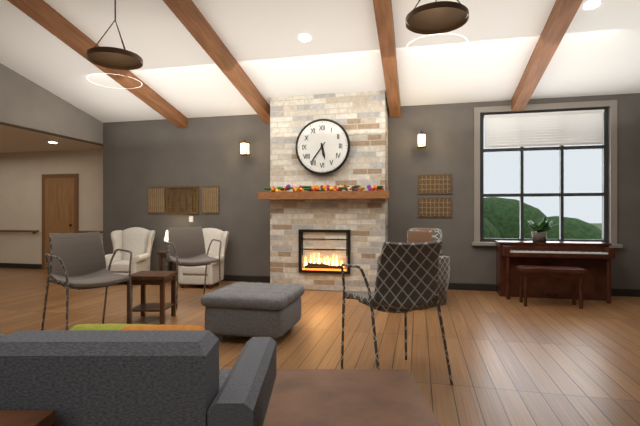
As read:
{"hour": 5, "minute": 36}
